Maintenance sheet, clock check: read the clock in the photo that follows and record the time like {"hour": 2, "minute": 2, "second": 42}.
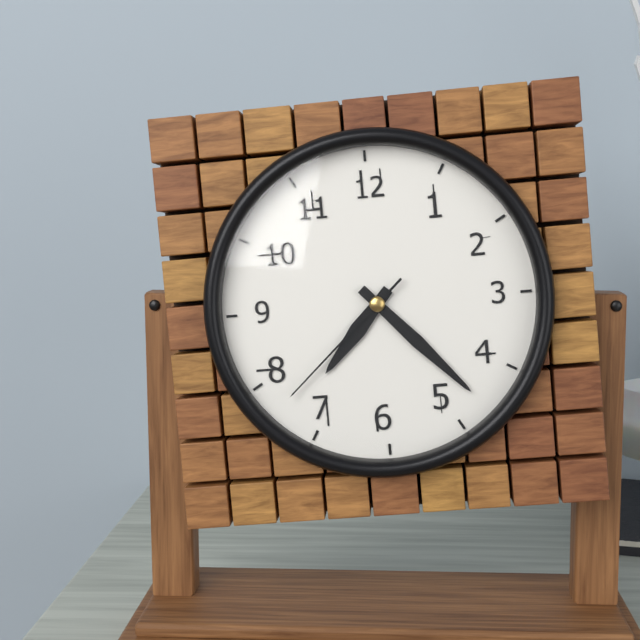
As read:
{"hour": 7, "minute": 23, "second": 38}
